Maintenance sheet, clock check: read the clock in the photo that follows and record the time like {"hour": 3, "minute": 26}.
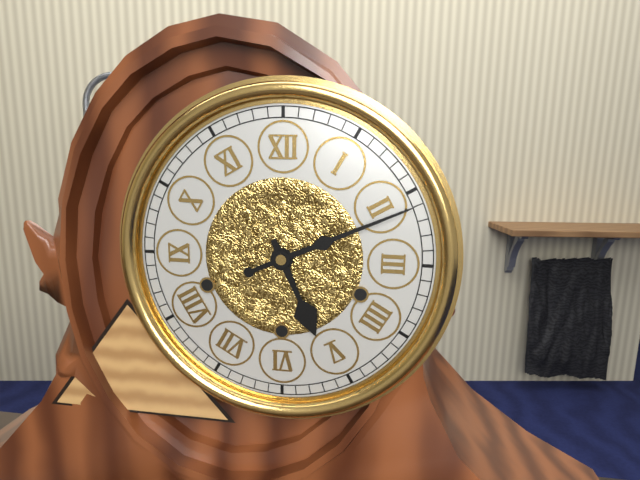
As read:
{"hour": 5, "minute": 11}
